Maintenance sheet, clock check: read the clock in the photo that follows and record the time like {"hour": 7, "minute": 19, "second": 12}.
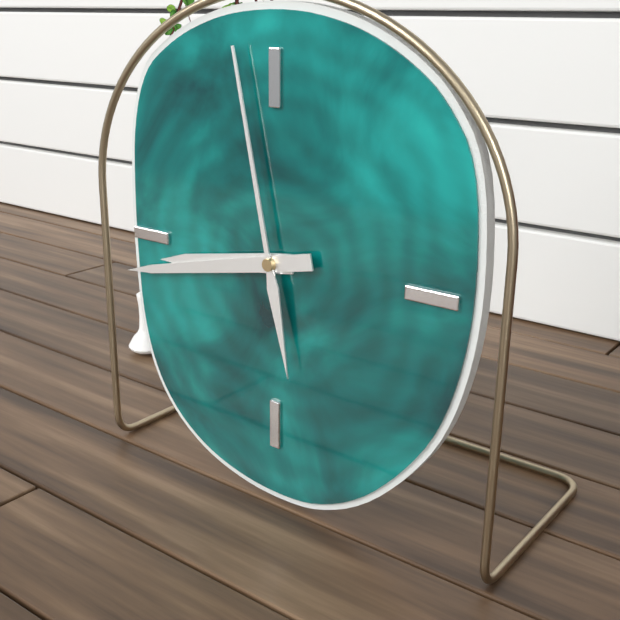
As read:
{"hour": 8, "minute": 43, "second": 58}
